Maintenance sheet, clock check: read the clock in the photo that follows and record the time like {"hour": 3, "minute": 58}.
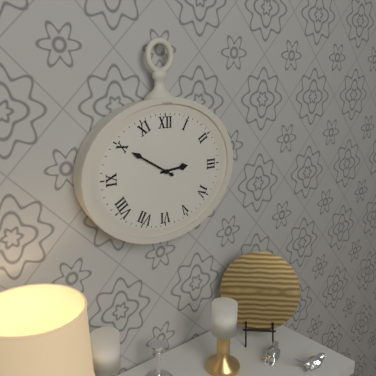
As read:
{"hour": 2, "minute": 50}
